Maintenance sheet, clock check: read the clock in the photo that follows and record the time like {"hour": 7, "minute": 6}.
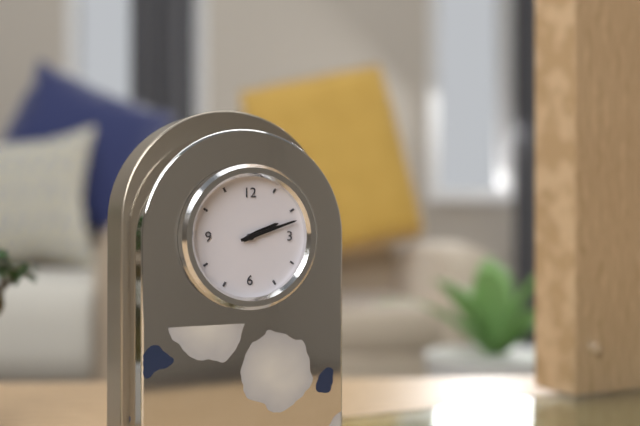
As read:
{"hour": 2, "minute": 12}
